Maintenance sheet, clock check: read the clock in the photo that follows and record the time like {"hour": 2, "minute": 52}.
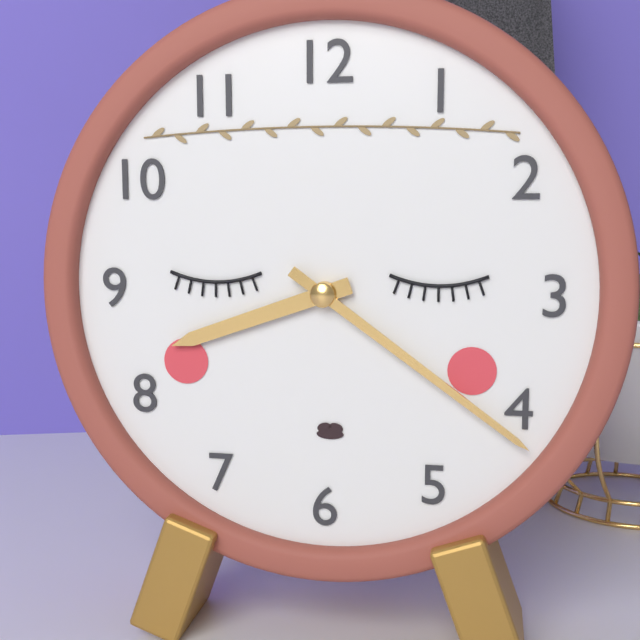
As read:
{"hour": 8, "minute": 21}
